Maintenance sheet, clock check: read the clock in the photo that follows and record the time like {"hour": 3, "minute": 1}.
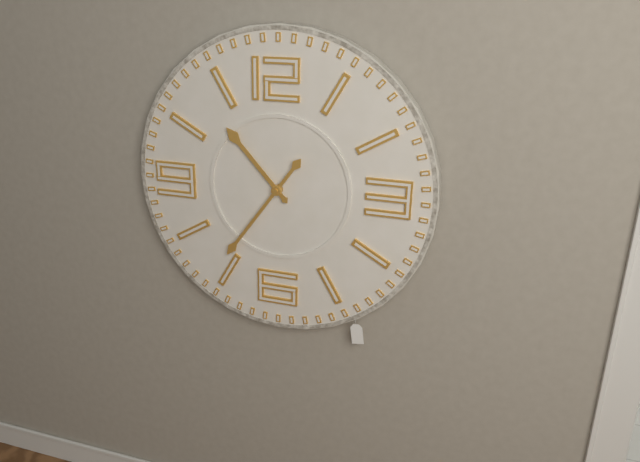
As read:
{"hour": 10, "minute": 36}
